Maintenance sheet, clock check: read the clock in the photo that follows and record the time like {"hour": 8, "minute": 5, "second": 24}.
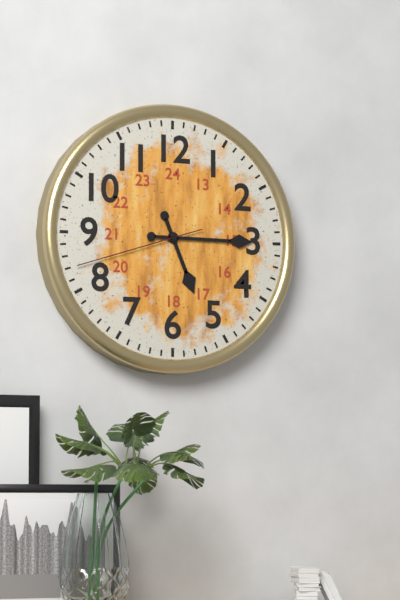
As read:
{"hour": 5, "minute": 15, "second": 42}
